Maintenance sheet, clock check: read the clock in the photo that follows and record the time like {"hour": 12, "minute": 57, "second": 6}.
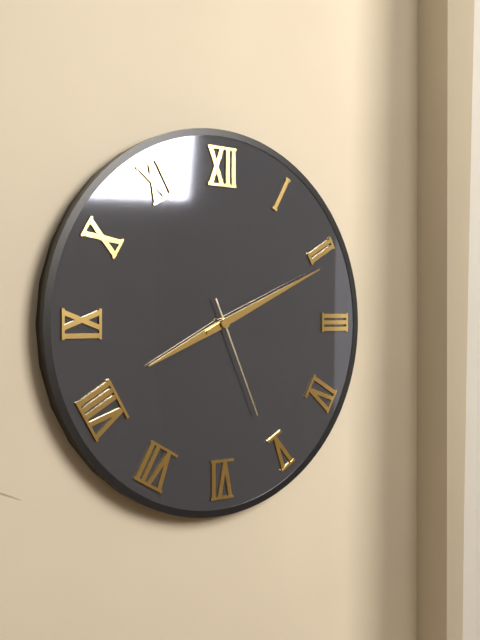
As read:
{"hour": 8, "minute": 11, "second": 26}
